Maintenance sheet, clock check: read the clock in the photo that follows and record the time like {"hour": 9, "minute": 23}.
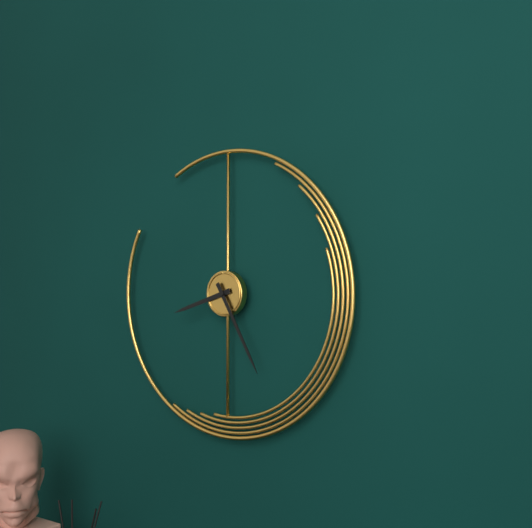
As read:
{"hour": 8, "minute": 25}
